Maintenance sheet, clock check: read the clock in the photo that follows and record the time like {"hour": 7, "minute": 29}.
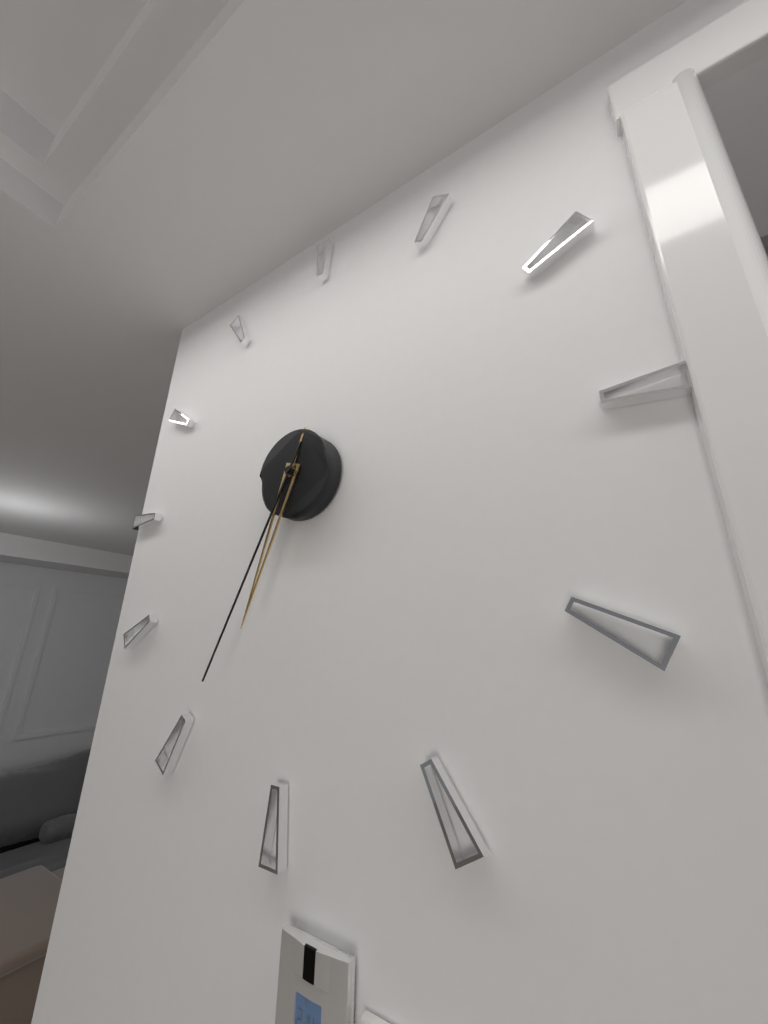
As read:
{"hour": 6, "minute": 34}
